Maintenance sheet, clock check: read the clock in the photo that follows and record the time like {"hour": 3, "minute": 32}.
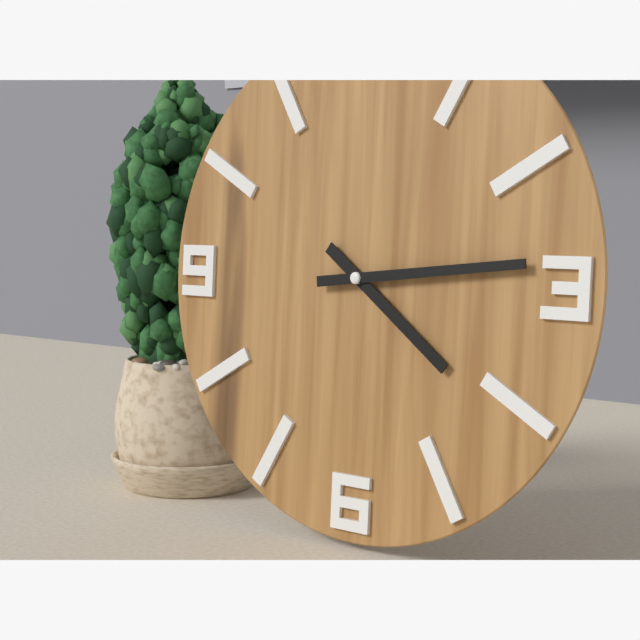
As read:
{"hour": 4, "minute": 14}
